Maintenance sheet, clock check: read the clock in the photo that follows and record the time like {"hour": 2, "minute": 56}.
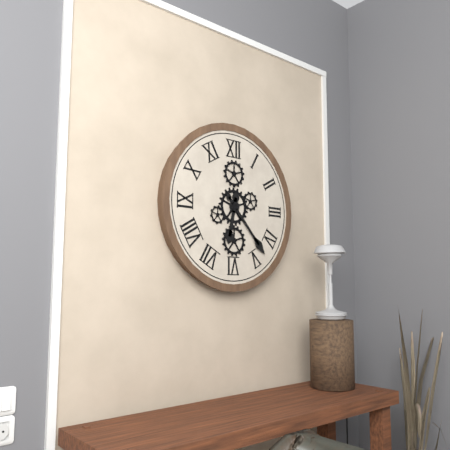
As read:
{"hour": 6, "minute": 23}
